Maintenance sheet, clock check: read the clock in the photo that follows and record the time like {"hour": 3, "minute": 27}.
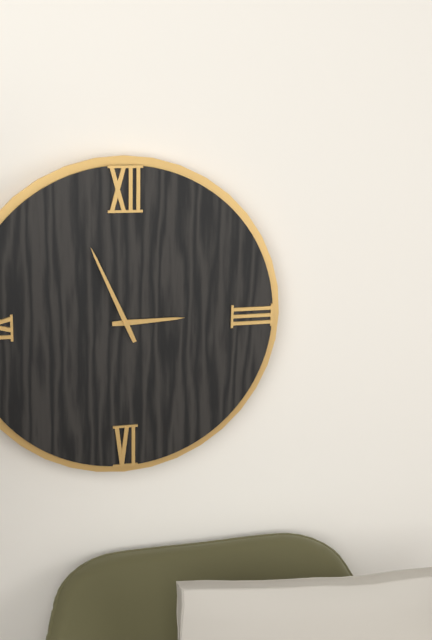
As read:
{"hour": 2, "minute": 56}
